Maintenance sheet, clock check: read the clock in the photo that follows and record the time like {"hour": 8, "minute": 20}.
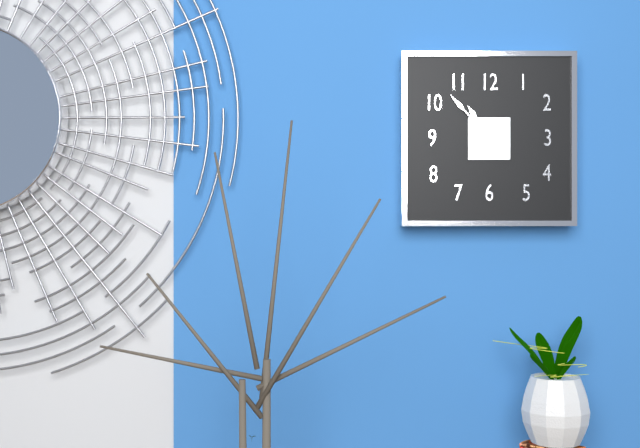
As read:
{"hour": 10, "minute": 53}
